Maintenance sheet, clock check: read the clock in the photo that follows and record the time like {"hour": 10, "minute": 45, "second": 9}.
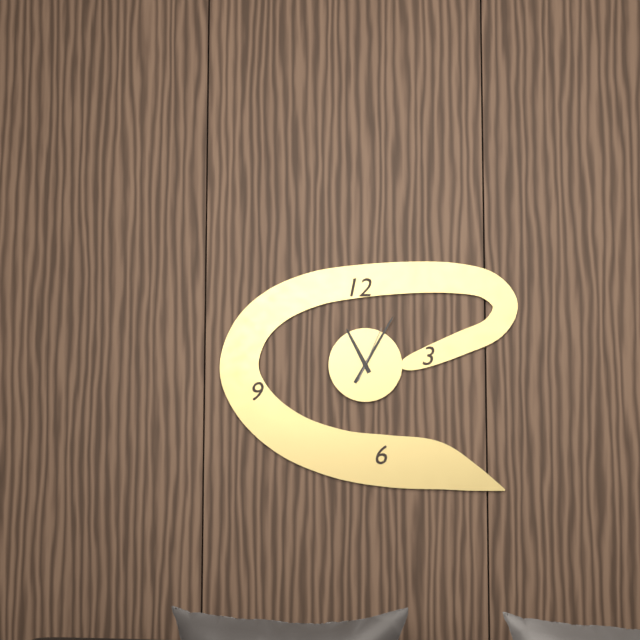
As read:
{"hour": 11, "minute": 5, "second": 4}
